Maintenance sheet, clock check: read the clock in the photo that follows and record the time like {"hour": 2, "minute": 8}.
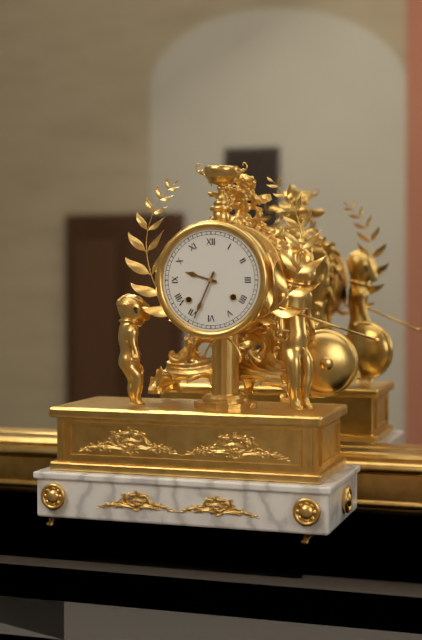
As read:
{"hour": 9, "minute": 34}
